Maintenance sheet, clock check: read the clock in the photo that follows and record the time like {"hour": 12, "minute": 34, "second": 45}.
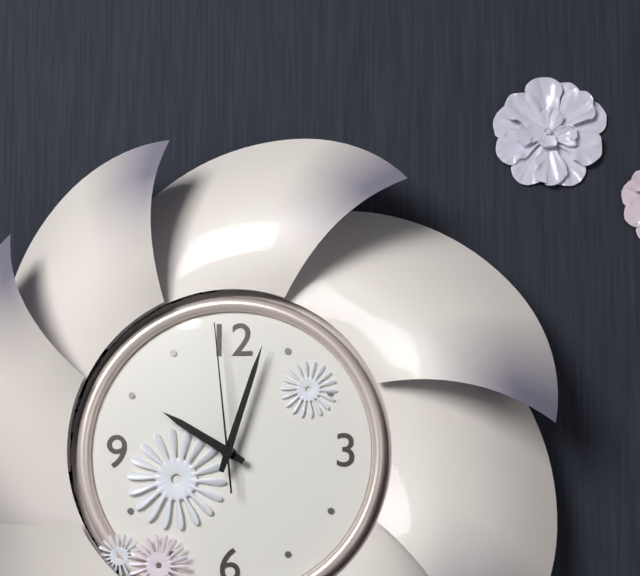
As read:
{"hour": 10, "minute": 3, "second": 59}
